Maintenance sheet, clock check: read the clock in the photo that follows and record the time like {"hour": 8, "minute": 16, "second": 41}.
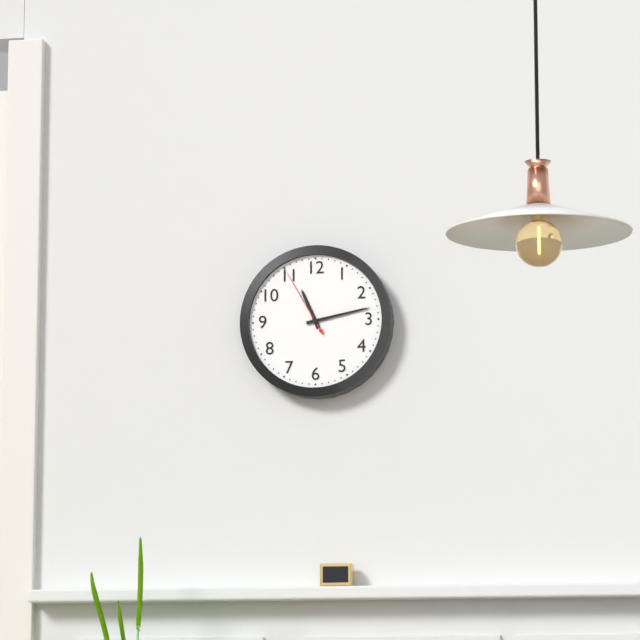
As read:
{"hour": 11, "minute": 13, "second": 55}
